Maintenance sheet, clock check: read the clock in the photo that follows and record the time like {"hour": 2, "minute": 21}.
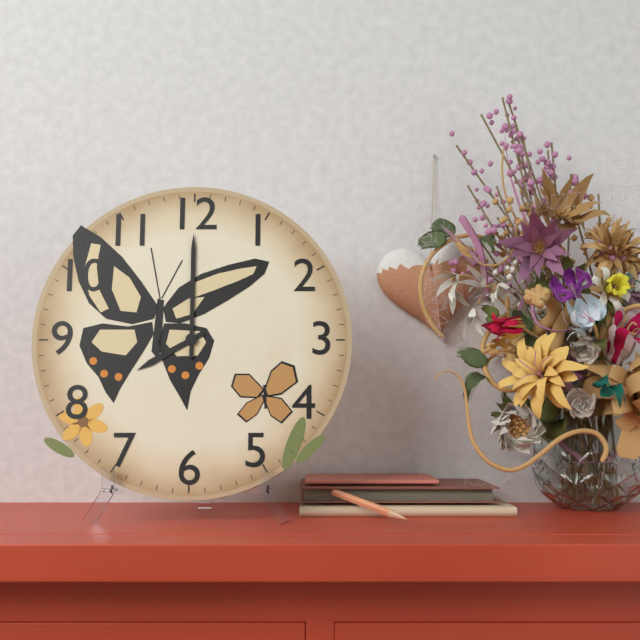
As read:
{"hour": 8, "minute": 0}
